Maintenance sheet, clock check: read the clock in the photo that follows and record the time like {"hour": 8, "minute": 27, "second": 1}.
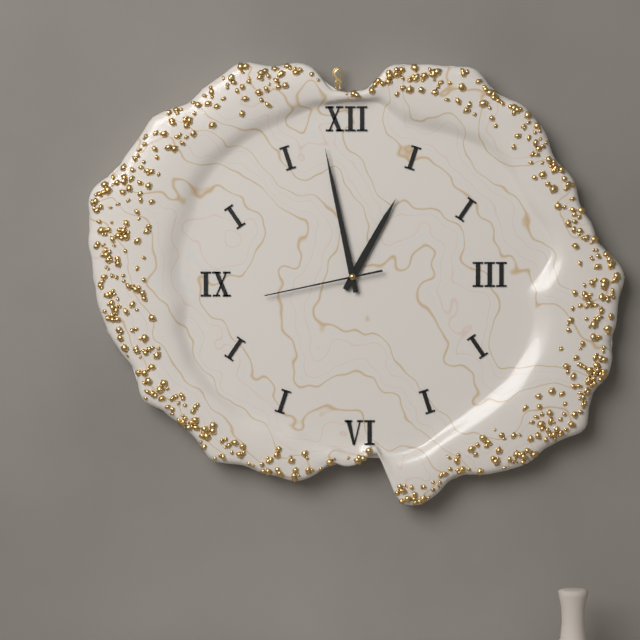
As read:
{"hour": 12, "minute": 58, "second": 43}
